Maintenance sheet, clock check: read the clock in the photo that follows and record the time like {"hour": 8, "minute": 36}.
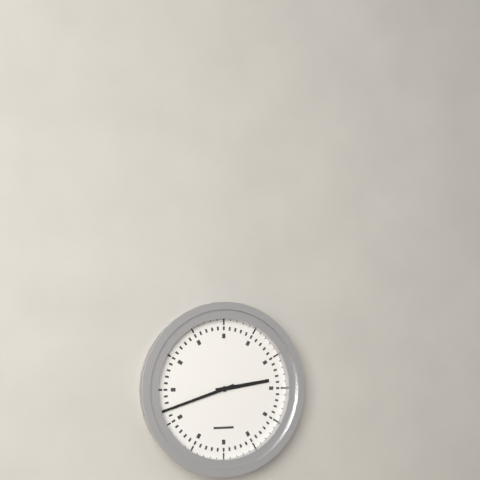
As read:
{"hour": 2, "minute": 42}
